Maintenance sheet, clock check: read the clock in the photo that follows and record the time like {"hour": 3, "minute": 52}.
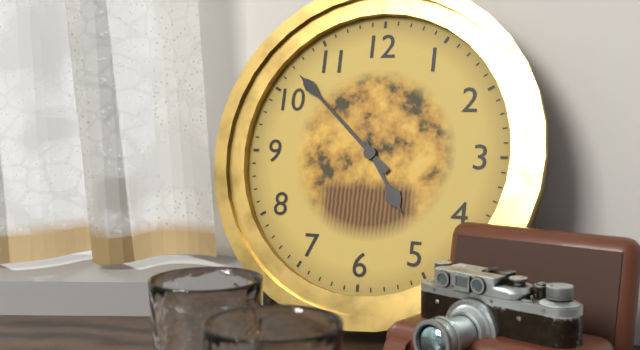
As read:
{"hour": 4, "minute": 52}
